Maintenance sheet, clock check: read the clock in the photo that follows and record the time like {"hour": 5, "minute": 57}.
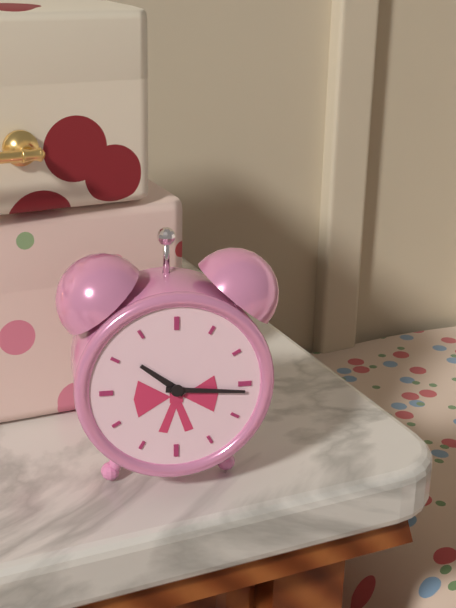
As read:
{"hour": 10, "minute": 16}
